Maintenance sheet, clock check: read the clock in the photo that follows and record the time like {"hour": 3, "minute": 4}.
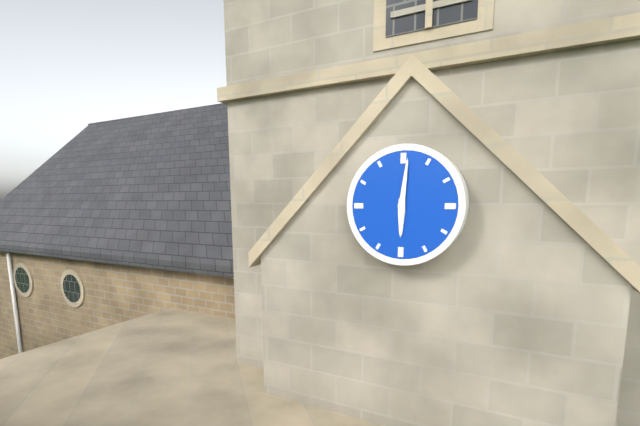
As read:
{"hour": 6, "minute": 1}
